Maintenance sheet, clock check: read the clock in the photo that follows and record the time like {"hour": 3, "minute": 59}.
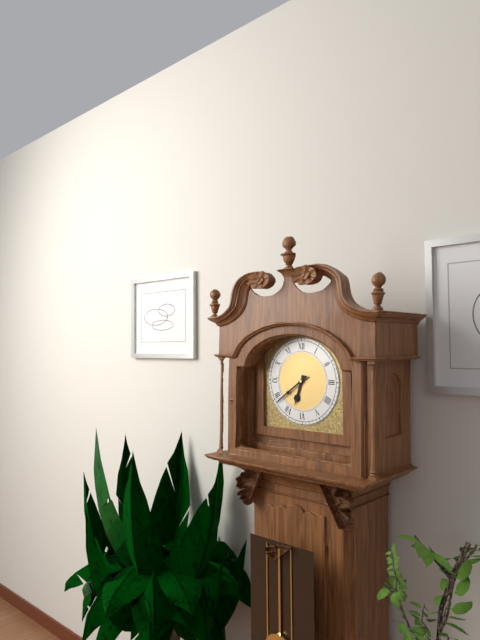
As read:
{"hour": 6, "minute": 39}
